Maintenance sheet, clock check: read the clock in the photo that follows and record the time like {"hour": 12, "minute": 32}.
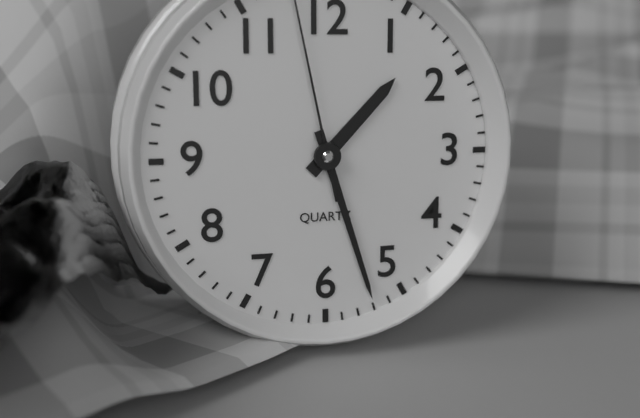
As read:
{"hour": 1, "minute": 27}
